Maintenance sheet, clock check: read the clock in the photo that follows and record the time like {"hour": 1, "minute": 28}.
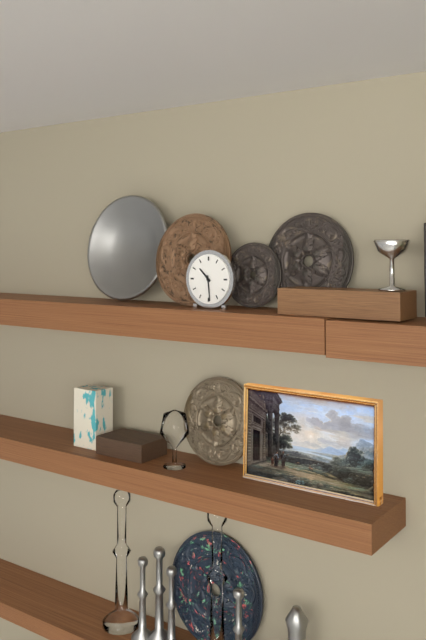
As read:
{"hour": 10, "minute": 29}
